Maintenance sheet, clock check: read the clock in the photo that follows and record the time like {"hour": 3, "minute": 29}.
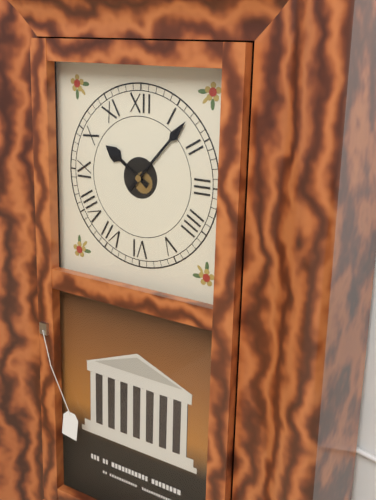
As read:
{"hour": 10, "minute": 7}
